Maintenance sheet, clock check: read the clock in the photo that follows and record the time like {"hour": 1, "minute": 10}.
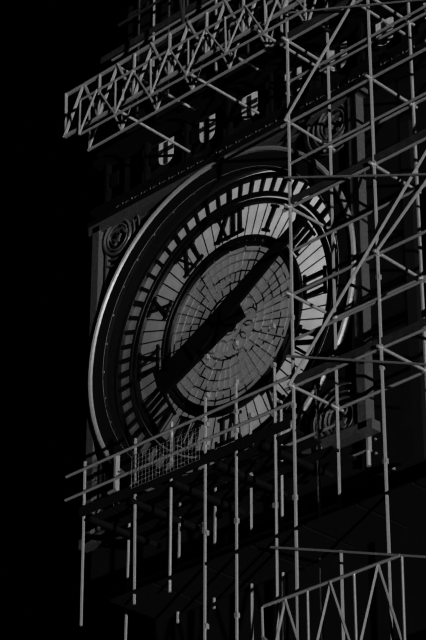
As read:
{"hour": 8, "minute": 10}
